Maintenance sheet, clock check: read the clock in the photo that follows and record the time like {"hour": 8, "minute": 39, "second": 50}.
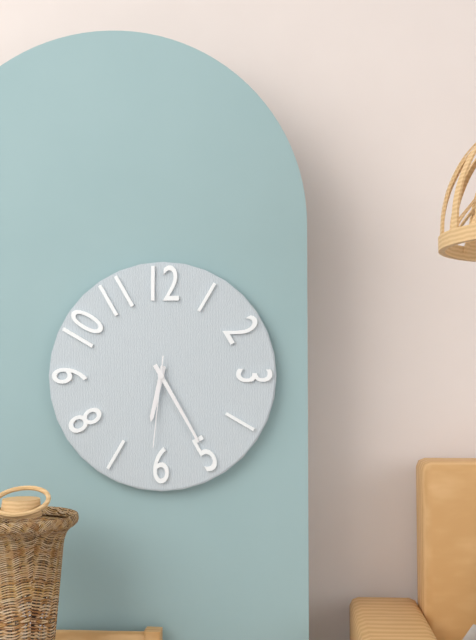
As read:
{"hour": 6, "minute": 25, "second": 31}
